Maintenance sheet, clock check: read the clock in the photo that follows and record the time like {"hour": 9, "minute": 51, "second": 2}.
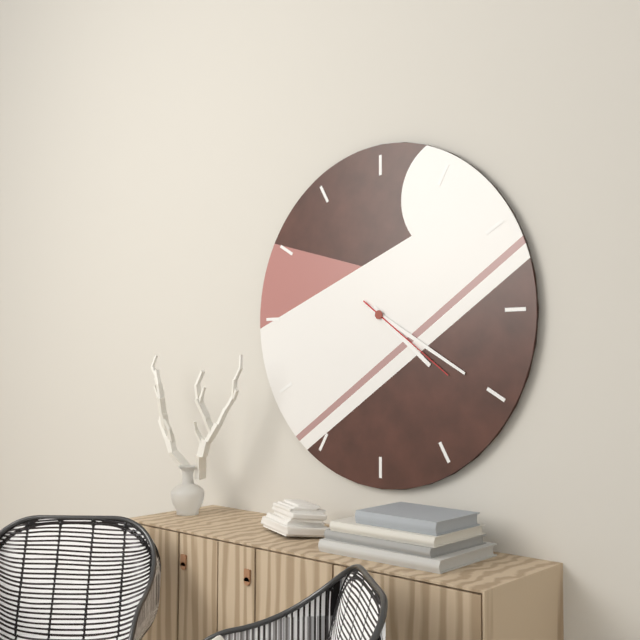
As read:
{"hour": 4, "minute": 20, "second": 21}
